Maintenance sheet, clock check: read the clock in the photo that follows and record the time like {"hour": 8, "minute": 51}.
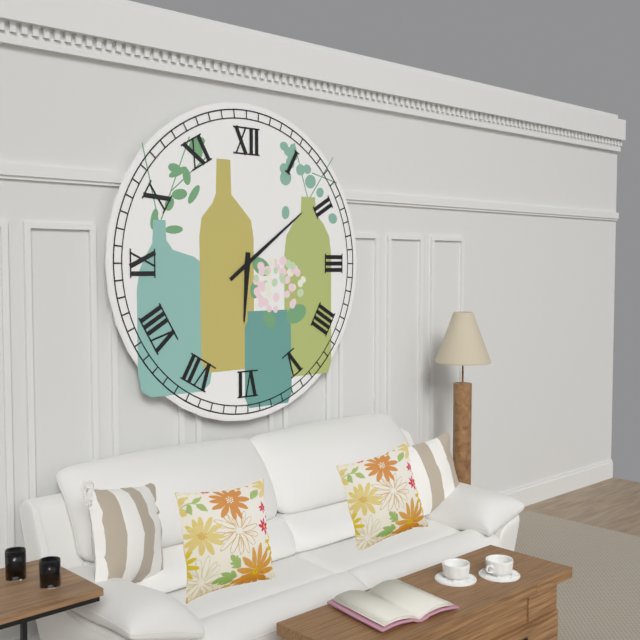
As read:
{"hour": 6, "minute": 9}
